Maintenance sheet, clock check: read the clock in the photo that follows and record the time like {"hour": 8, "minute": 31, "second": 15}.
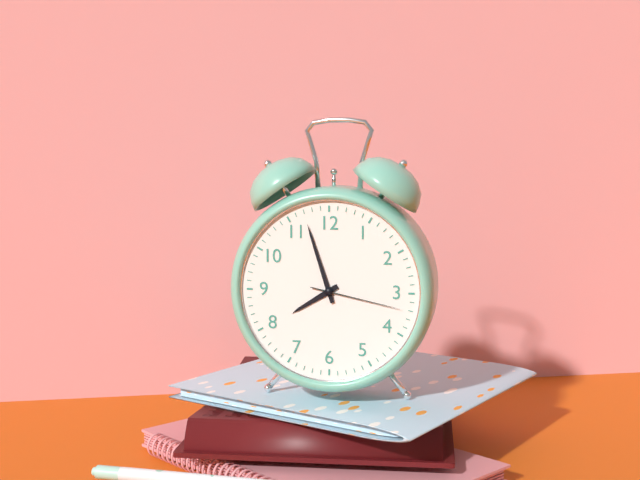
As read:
{"hour": 7, "minute": 57, "second": 17}
